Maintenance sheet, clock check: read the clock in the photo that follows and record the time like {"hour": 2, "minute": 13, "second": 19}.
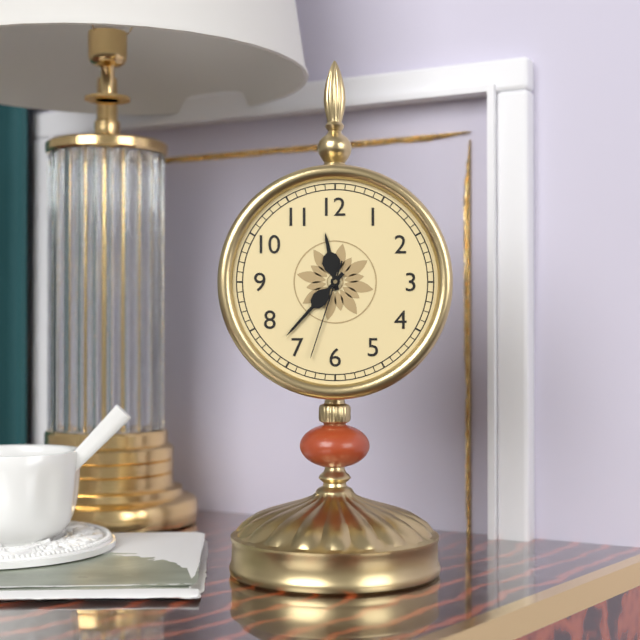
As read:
{"hour": 11, "minute": 37, "second": 33}
